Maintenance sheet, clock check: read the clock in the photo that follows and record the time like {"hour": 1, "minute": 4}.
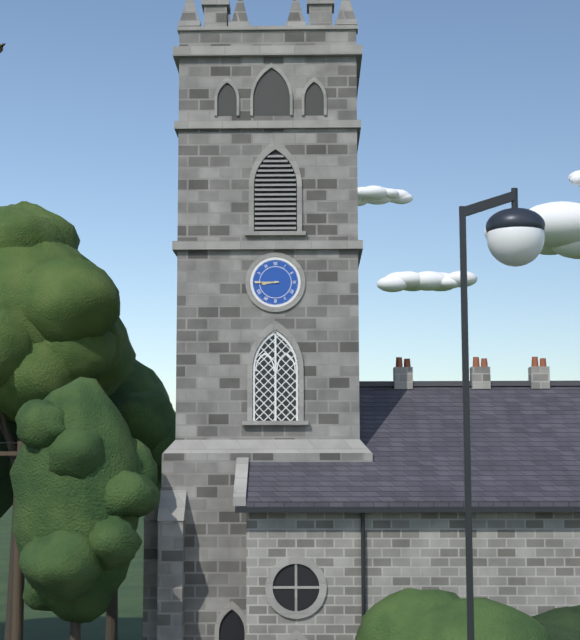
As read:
{"hour": 8, "minute": 45}
